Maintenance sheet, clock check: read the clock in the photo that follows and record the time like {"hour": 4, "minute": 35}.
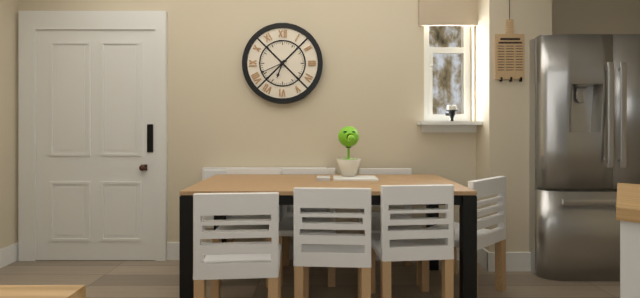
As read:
{"hour": 6, "minute": 41}
